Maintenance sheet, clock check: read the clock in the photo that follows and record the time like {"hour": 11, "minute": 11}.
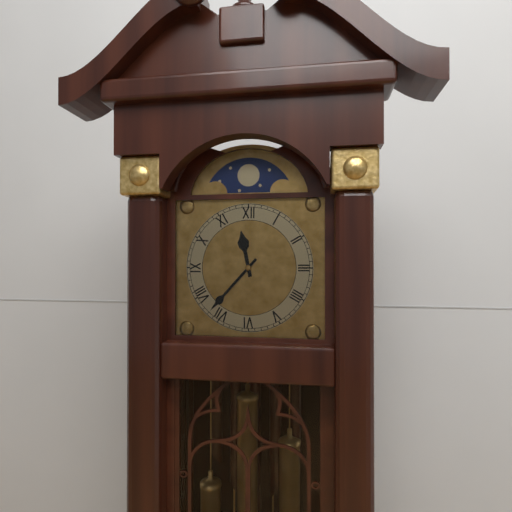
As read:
{"hour": 11, "minute": 37}
